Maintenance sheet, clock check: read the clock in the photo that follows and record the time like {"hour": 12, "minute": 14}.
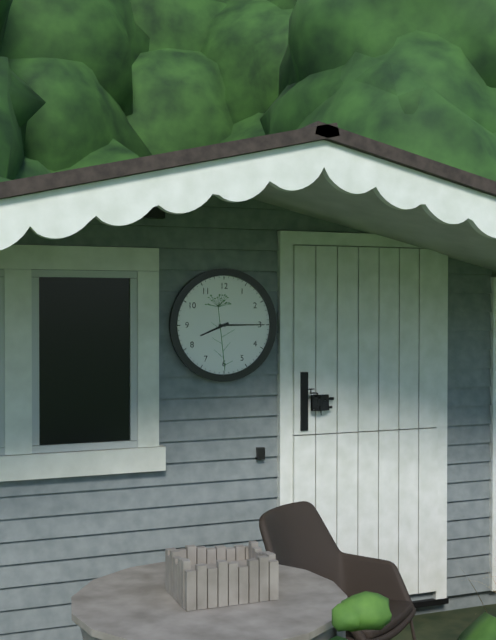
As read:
{"hour": 8, "minute": 15}
